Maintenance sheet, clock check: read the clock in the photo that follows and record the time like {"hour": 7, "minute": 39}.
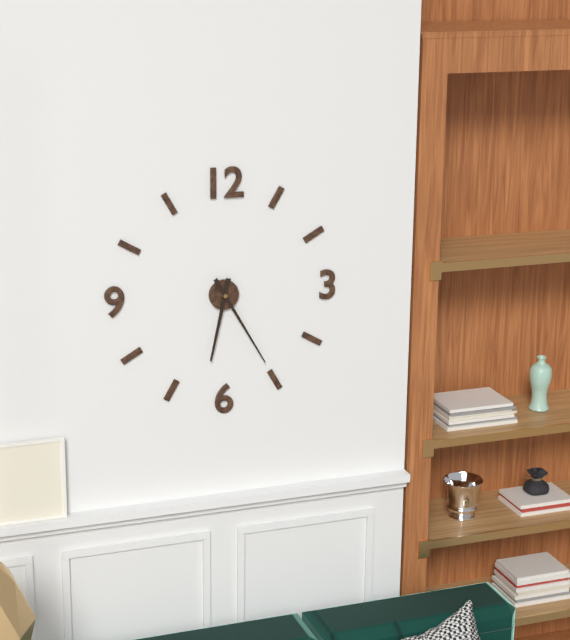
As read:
{"hour": 6, "minute": 25}
